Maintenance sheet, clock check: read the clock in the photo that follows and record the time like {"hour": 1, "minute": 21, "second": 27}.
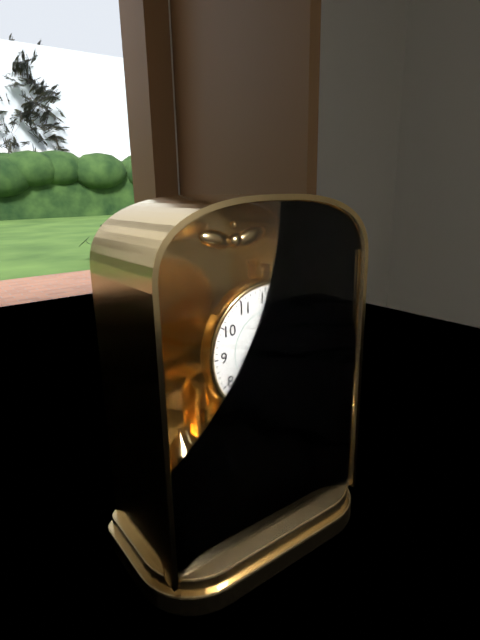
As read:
{"hour": 8, "minute": 33, "second": 13}
